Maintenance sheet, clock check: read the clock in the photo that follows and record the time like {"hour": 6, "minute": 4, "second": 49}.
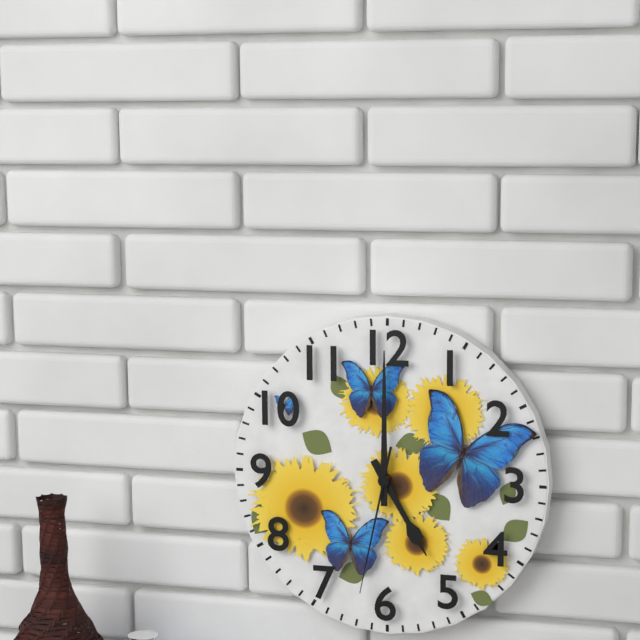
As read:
{"hour": 5, "minute": 0, "second": 32}
